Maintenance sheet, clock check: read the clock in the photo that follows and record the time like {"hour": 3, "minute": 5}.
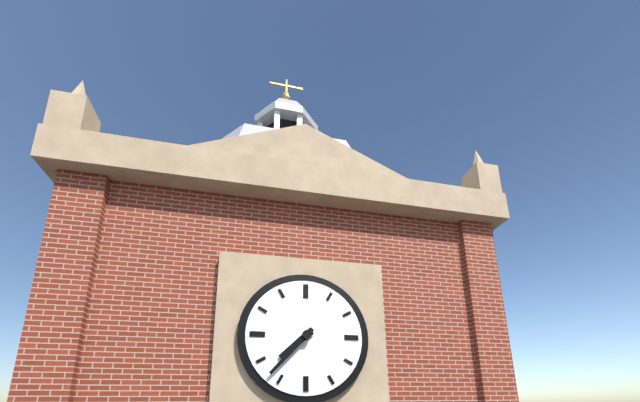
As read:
{"hour": 7, "minute": 37}
